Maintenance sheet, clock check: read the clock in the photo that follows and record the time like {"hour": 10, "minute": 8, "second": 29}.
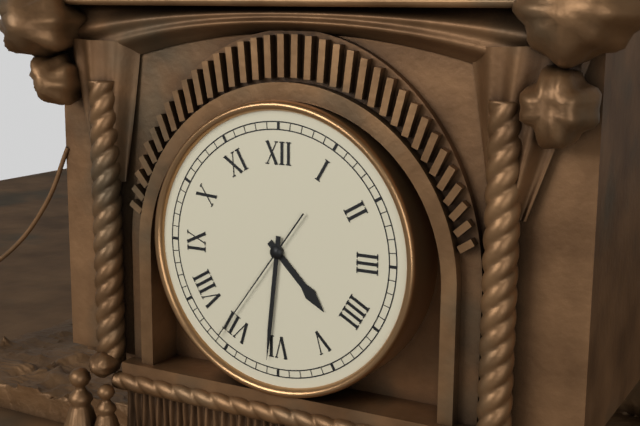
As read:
{"hour": 4, "minute": 31, "second": 36}
